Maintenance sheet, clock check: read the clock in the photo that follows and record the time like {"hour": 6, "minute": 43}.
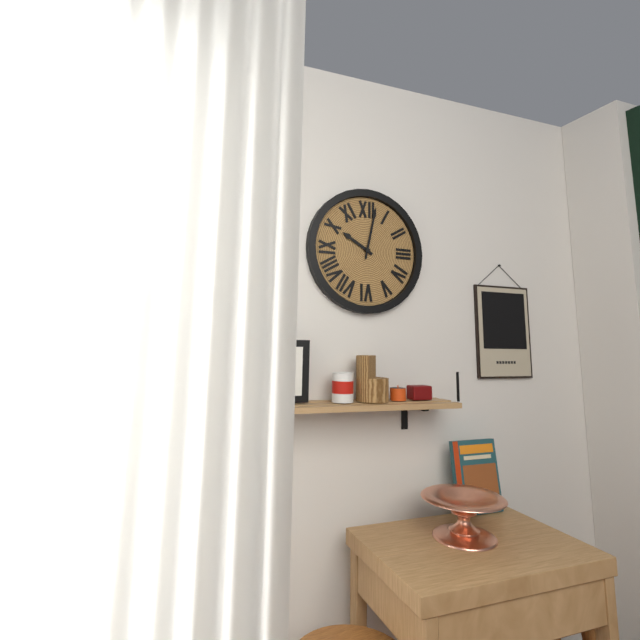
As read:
{"hour": 10, "minute": 2}
